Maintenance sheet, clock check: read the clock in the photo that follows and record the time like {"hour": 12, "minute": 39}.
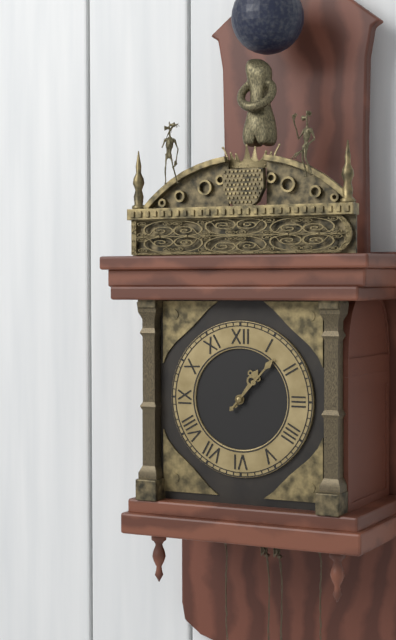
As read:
{"hour": 1, "minute": 7}
